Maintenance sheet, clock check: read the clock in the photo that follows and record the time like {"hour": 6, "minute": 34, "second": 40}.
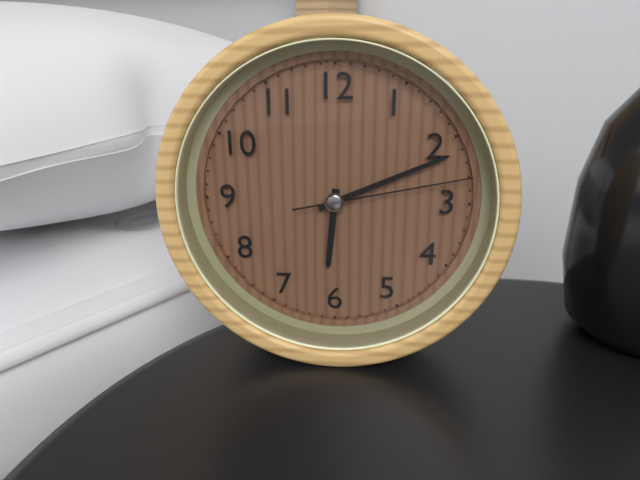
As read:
{"hour": 6, "minute": 11, "second": 13}
